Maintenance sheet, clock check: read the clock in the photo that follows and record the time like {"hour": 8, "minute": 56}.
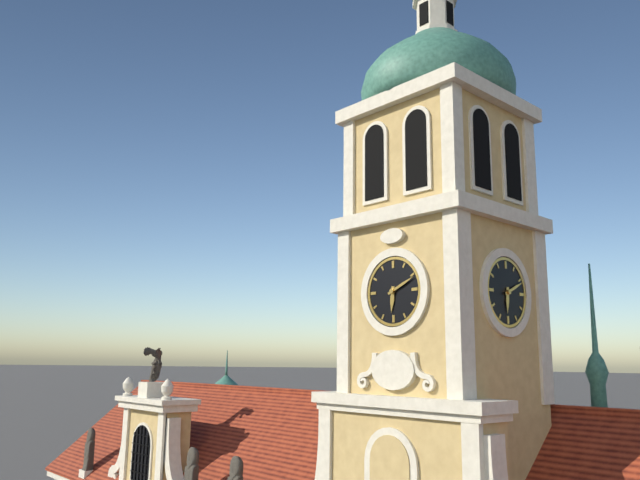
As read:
{"hour": 6, "minute": 11}
